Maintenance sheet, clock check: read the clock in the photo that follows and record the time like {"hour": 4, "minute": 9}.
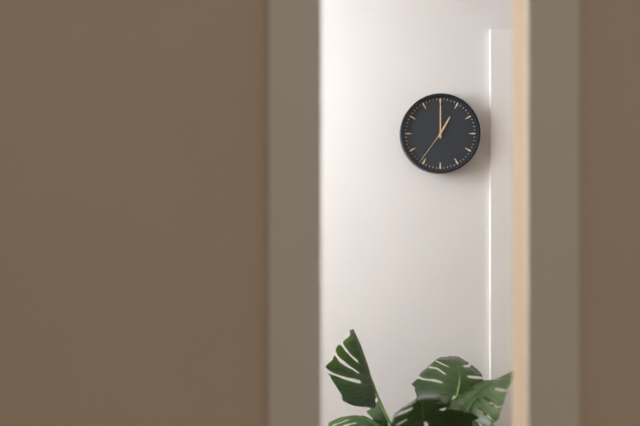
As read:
{"hour": 1, "minute": 0}
